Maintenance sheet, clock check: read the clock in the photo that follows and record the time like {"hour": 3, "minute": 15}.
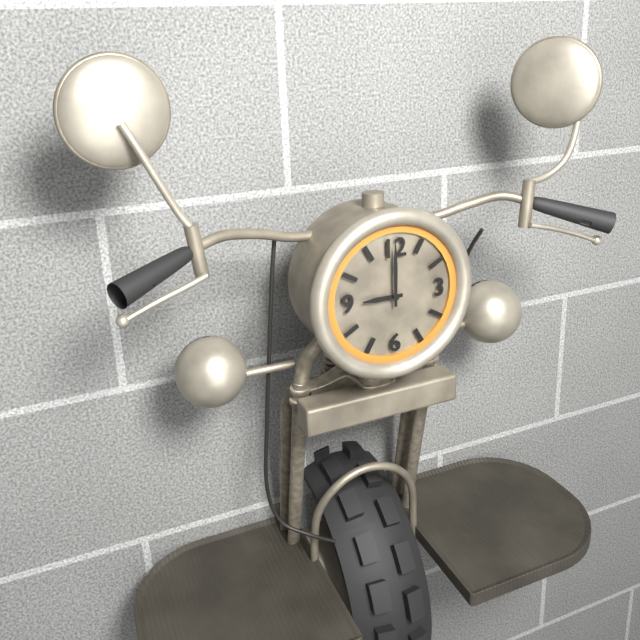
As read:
{"hour": 9, "minute": 0}
